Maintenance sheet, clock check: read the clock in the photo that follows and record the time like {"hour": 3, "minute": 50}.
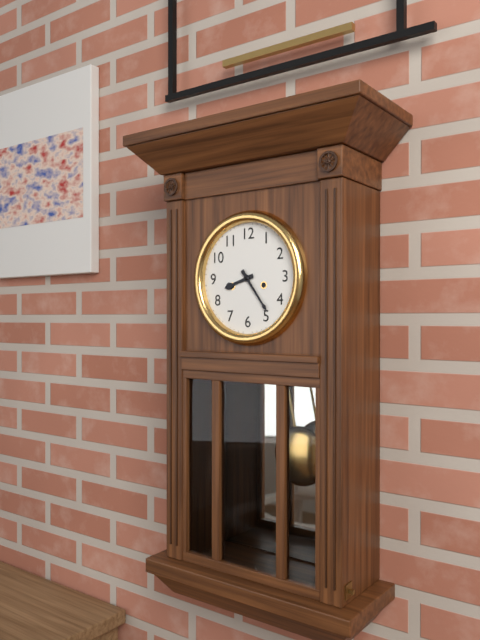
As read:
{"hour": 8, "minute": 24}
